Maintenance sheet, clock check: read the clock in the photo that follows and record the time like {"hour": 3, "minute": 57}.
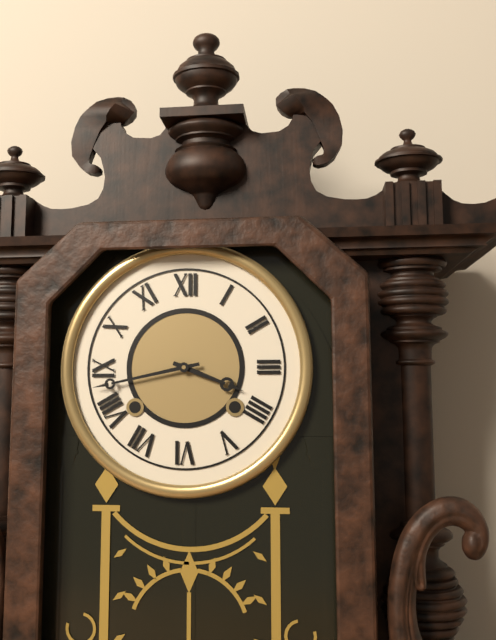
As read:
{"hour": 3, "minute": 43}
